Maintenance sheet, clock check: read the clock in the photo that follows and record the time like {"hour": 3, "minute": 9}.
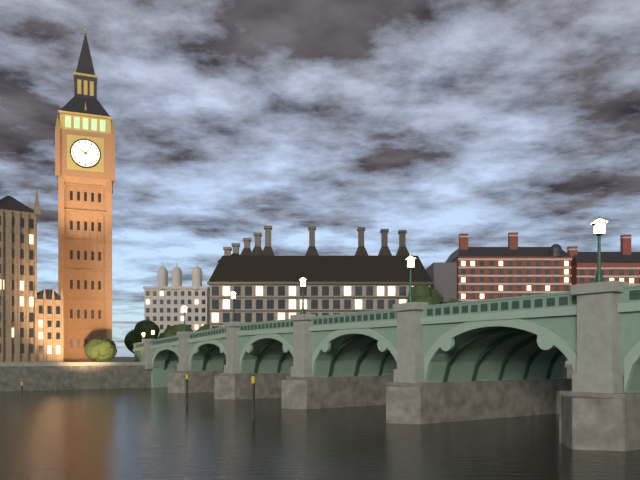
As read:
{"hour": 10, "minute": 6}
